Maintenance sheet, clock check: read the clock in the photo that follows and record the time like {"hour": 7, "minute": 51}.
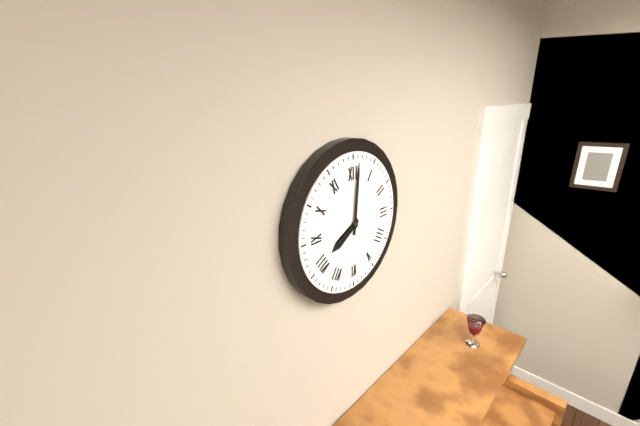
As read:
{"hour": 8, "minute": 1}
